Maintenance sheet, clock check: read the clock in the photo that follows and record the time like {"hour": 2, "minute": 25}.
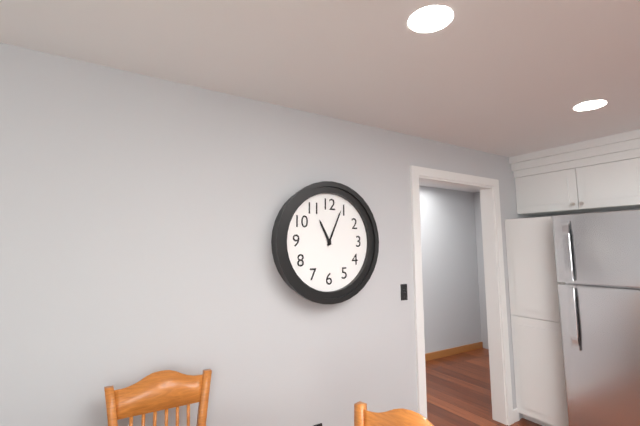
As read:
{"hour": 11, "minute": 4}
